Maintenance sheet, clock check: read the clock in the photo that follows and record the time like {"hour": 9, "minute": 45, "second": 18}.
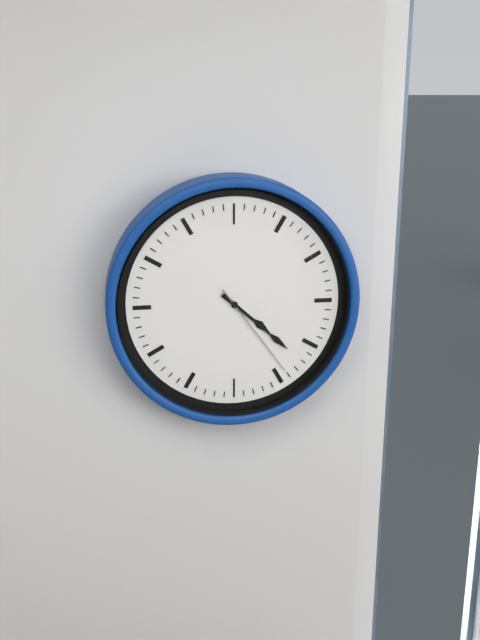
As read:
{"hour": 4, "minute": 22, "second": 24}
